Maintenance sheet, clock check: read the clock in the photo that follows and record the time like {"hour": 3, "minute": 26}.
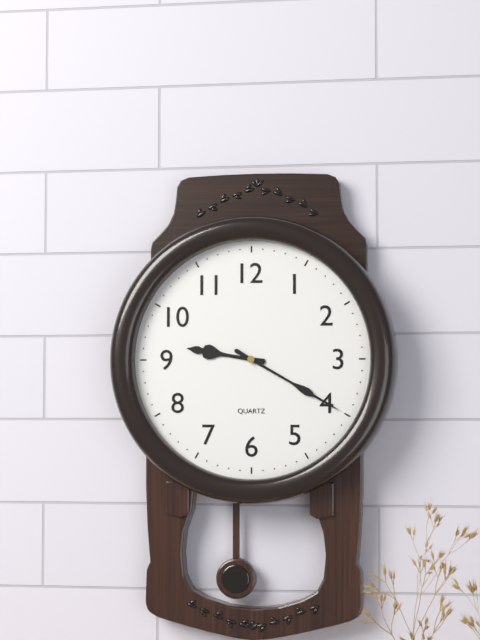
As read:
{"hour": 9, "minute": 20}
